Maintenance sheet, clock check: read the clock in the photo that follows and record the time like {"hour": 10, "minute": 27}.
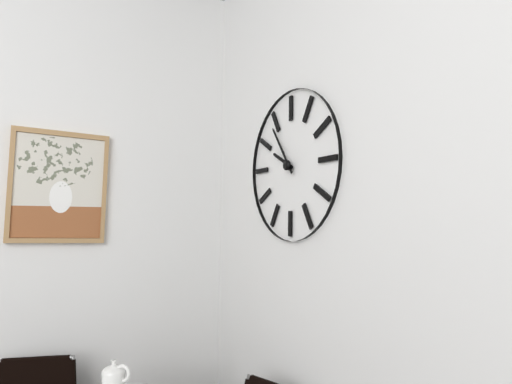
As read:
{"hour": 9, "minute": 54}
